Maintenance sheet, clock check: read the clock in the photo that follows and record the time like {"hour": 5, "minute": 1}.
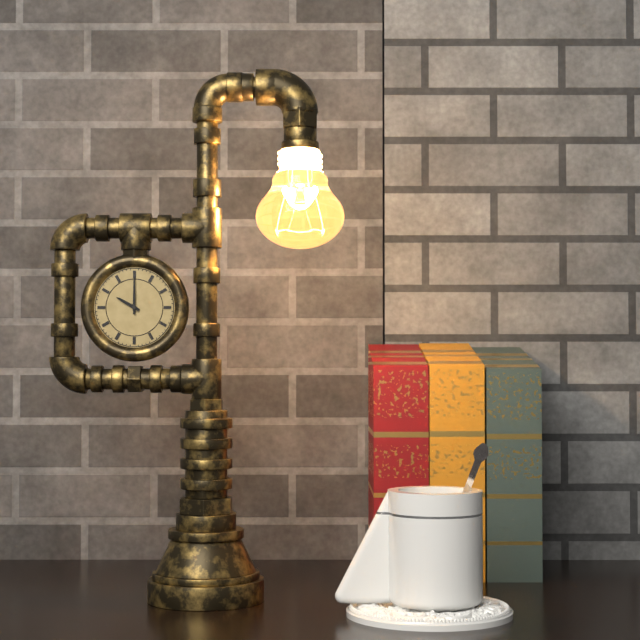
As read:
{"hour": 10, "minute": 0}
